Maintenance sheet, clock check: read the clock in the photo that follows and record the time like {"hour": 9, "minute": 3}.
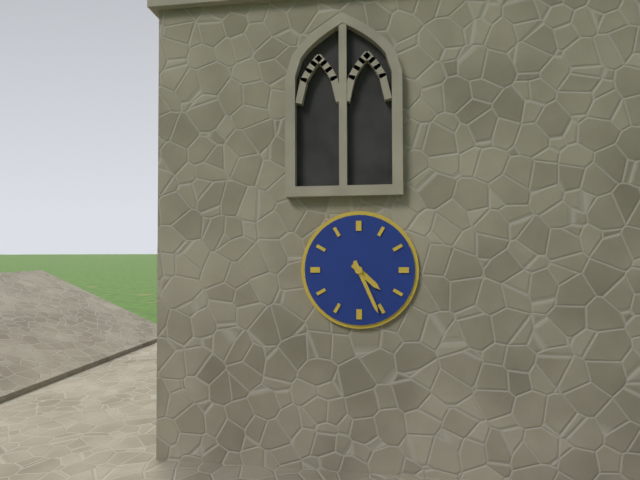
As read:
{"hour": 4, "minute": 26}
